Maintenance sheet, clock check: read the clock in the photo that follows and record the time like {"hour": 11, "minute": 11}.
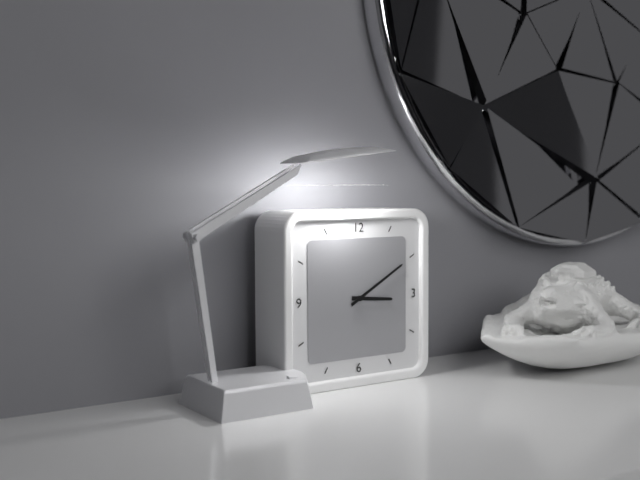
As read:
{"hour": 3, "minute": 10}
